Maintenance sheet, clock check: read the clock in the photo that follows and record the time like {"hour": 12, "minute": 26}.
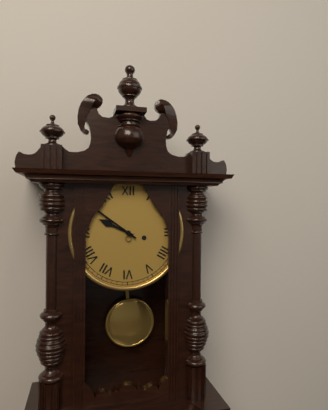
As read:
{"hour": 9, "minute": 51}
